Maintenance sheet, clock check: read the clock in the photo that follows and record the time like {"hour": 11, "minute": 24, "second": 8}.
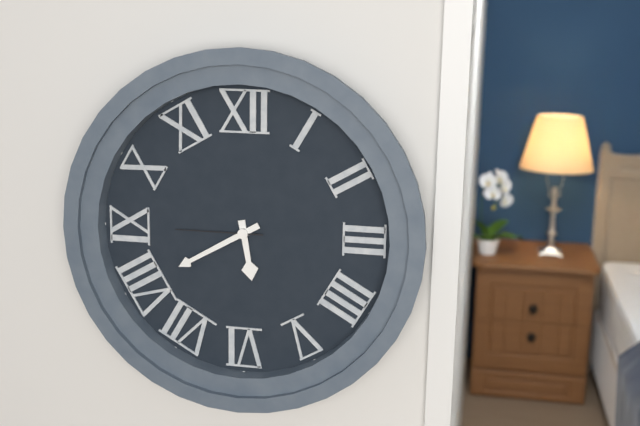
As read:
{"hour": 5, "minute": 40, "second": 45}
